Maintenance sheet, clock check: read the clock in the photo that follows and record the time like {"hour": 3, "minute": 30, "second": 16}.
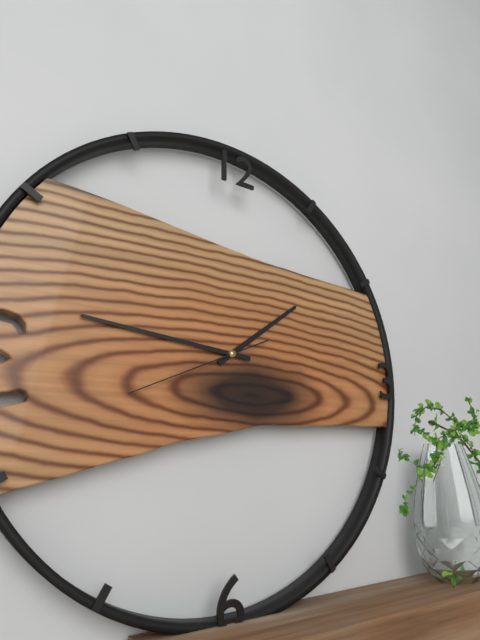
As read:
{"hour": 1, "minute": 46, "second": 41}
